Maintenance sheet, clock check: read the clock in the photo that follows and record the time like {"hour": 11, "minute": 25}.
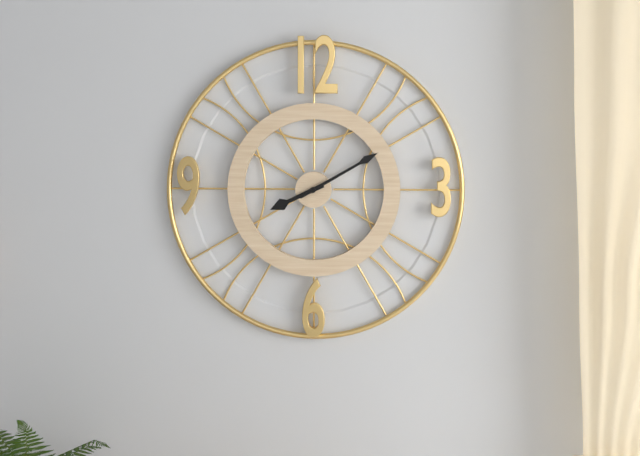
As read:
{"hour": 8, "minute": 10}
